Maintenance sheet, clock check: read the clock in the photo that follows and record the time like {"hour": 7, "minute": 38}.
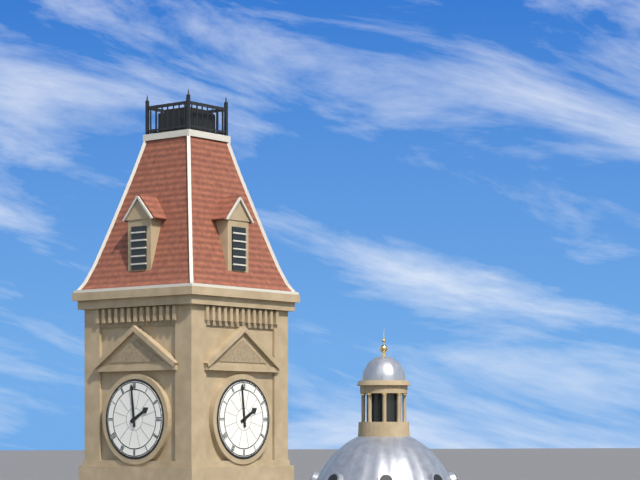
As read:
{"hour": 1, "minute": 59}
